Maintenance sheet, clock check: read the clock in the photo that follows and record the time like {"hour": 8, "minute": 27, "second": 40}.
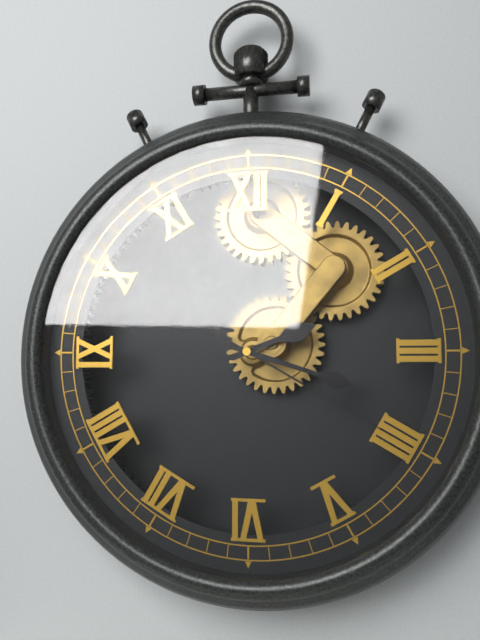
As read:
{"hour": 2, "minute": 18, "second": 20}
